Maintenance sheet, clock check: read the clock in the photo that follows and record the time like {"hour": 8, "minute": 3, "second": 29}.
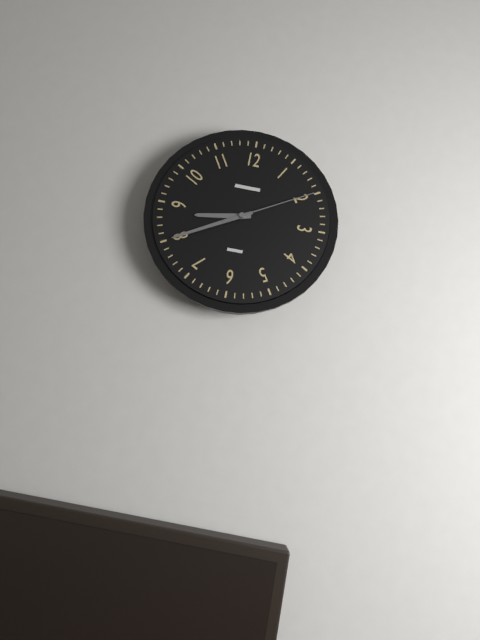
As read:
{"hour": 8, "minute": 40, "second": 10}
